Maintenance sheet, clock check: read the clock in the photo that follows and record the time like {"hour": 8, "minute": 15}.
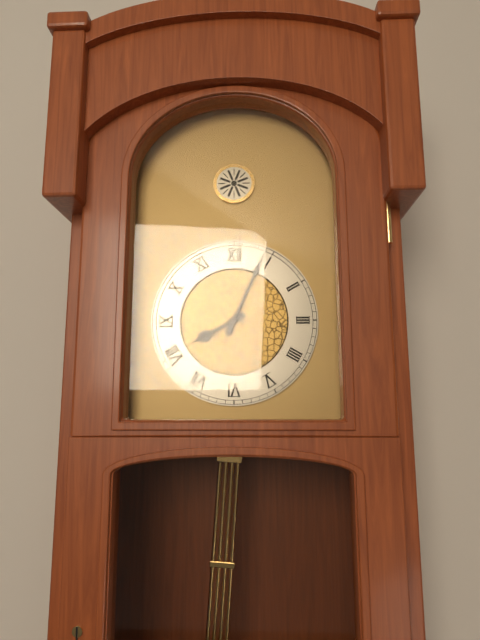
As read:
{"hour": 8, "minute": 4}
